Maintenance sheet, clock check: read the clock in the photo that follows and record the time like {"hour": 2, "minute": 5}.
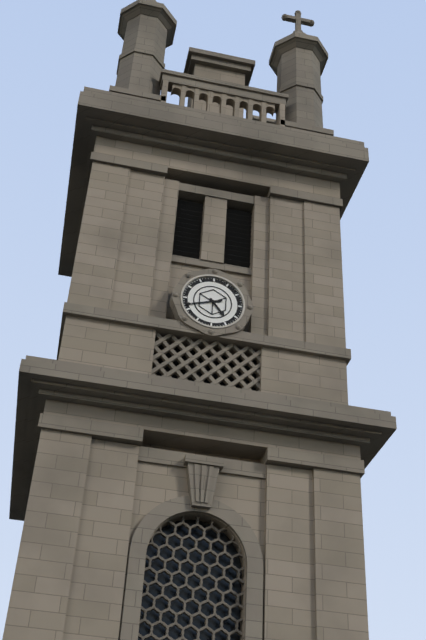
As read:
{"hour": 4, "minute": 42}
